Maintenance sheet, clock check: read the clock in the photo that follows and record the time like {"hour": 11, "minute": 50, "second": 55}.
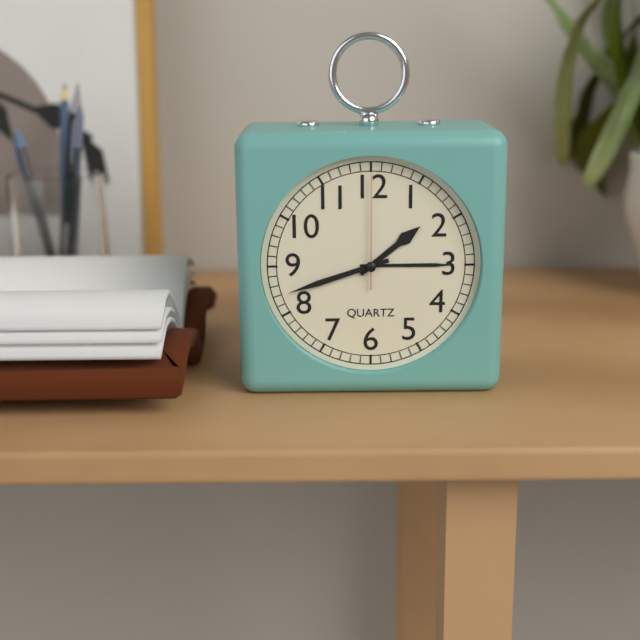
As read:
{"hour": 1, "minute": 42, "second": 0}
